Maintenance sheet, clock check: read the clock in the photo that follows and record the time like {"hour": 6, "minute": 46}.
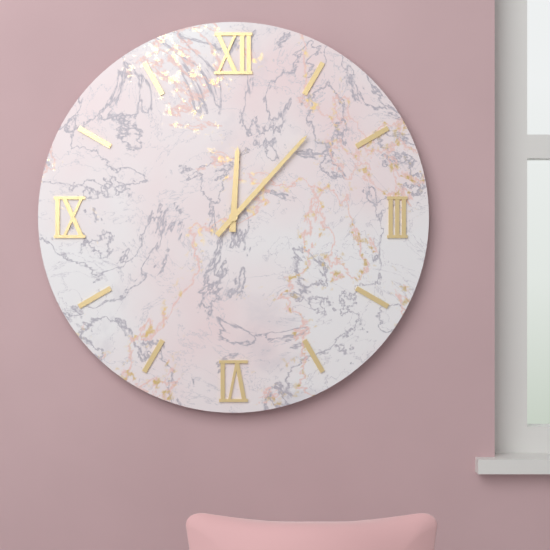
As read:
{"hour": 12, "minute": 7}
